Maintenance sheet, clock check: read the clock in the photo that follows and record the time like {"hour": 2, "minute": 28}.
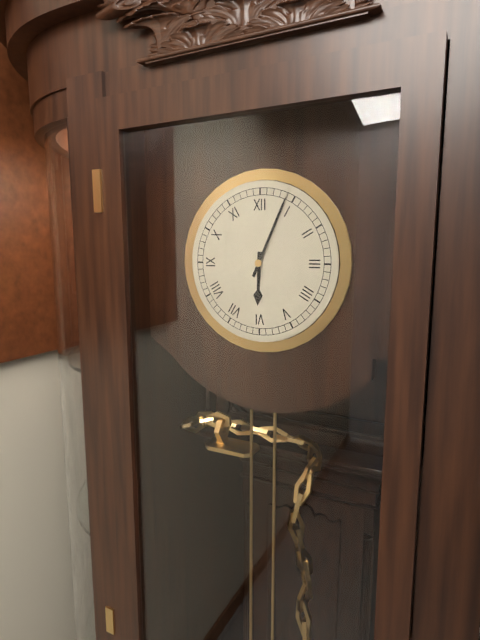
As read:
{"hour": 6, "minute": 4}
